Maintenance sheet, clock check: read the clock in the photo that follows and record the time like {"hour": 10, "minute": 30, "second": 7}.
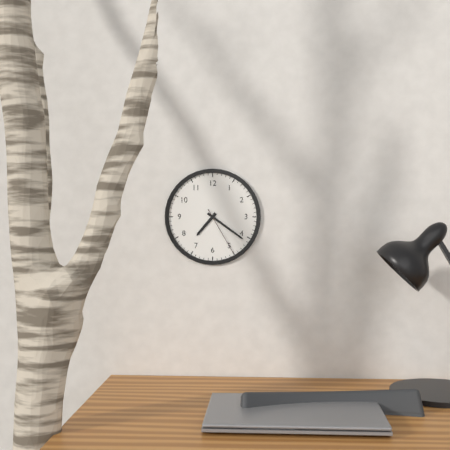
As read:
{"hour": 7, "minute": 21, "second": 25}
